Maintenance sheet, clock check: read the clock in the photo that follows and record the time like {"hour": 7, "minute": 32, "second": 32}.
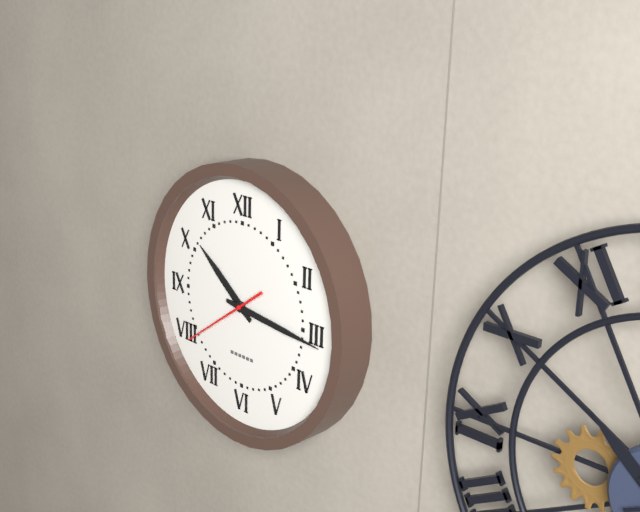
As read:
{"hour": 10, "minute": 16, "second": 39}
